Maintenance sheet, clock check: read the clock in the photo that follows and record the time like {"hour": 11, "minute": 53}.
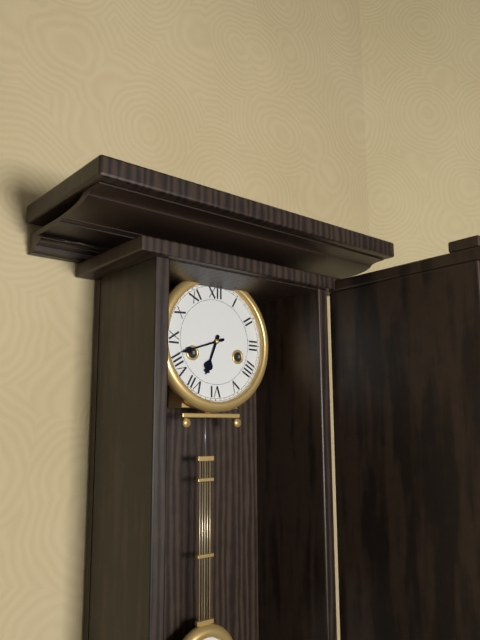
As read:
{"hour": 6, "minute": 42}
